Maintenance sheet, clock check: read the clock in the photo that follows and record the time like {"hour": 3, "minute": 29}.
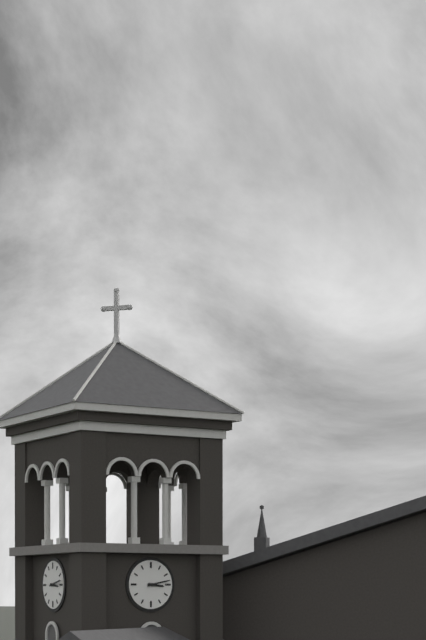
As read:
{"hour": 3, "minute": 13}
